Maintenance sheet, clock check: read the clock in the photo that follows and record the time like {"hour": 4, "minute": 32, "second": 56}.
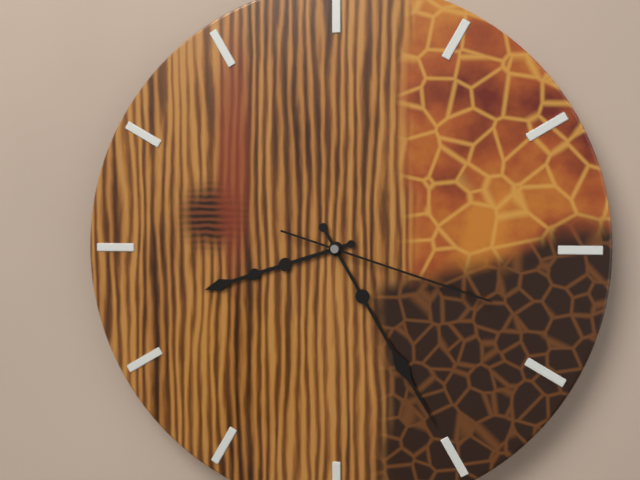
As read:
{"hour": 8, "minute": 25, "second": 18}
